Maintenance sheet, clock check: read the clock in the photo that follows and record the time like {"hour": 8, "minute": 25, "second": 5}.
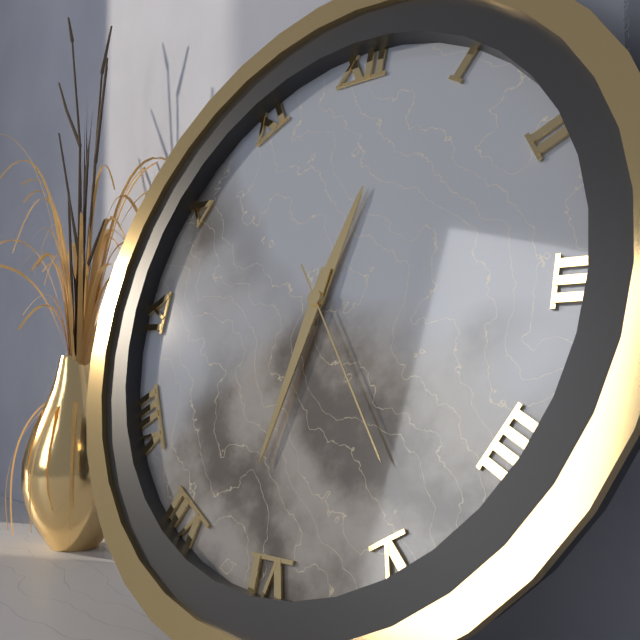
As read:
{"hour": 12, "minute": 32, "second": 24}
